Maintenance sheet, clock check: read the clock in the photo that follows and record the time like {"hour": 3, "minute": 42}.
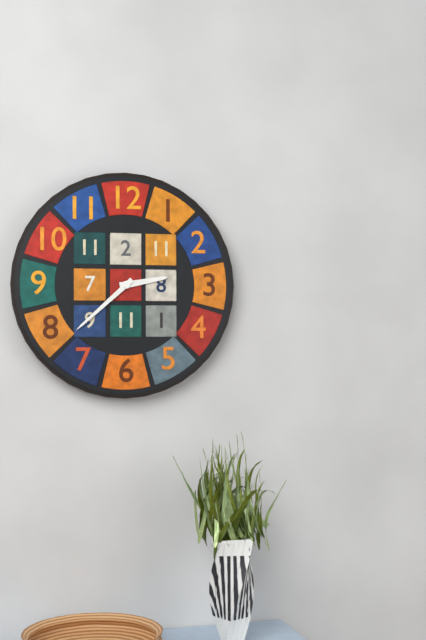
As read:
{"hour": 2, "minute": 38}
